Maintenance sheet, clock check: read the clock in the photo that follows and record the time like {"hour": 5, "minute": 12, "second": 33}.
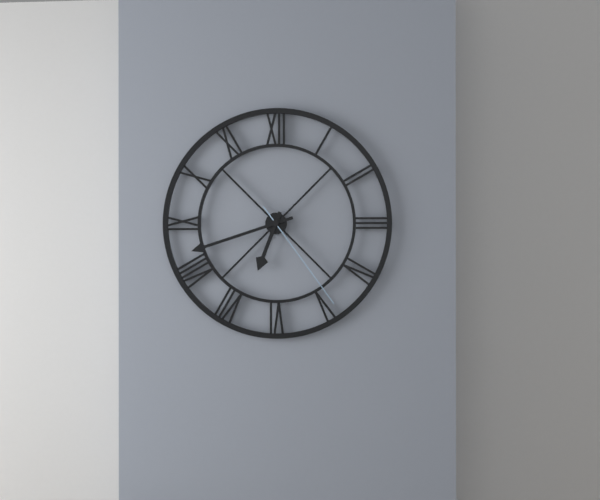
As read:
{"hour": 6, "minute": 42, "second": 24}
